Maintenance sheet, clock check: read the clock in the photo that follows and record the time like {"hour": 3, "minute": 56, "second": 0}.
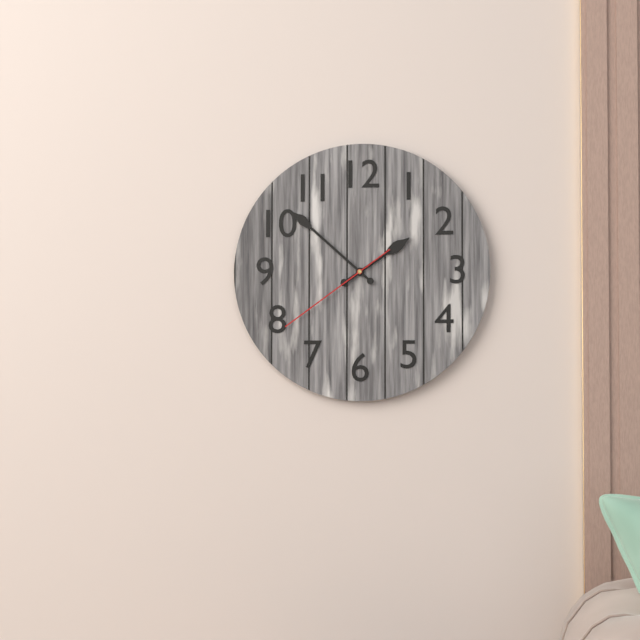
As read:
{"hour": 1, "minute": 52, "second": 39}
